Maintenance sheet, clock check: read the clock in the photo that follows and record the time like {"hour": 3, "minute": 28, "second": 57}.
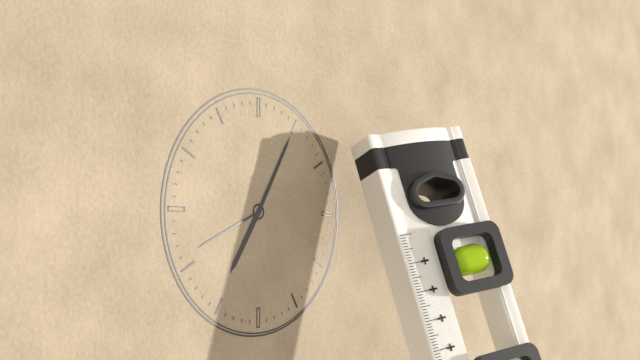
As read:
{"hour": 7, "minute": 5, "second": 41}
